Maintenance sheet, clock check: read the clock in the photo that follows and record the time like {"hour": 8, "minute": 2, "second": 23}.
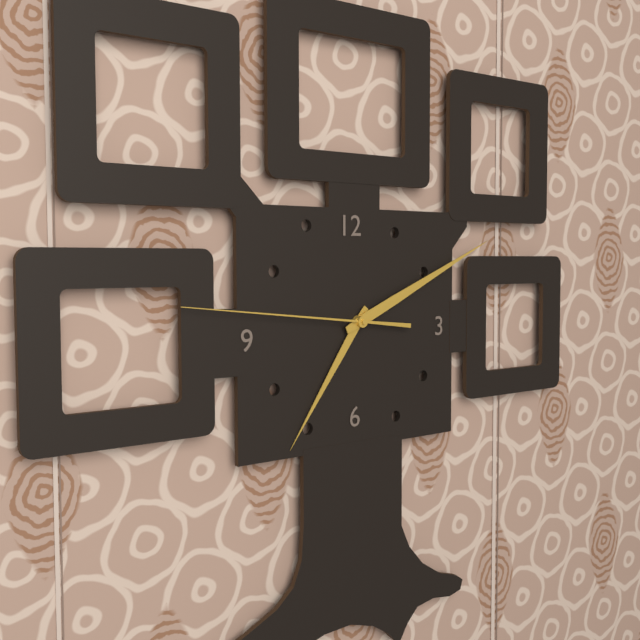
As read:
{"hour": 7, "minute": 11, "second": 46}
